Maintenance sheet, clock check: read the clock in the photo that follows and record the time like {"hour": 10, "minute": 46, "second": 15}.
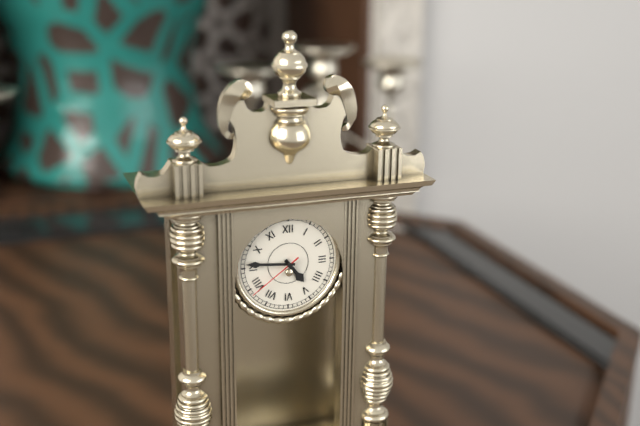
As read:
{"hour": 4, "minute": 46, "second": 39}
